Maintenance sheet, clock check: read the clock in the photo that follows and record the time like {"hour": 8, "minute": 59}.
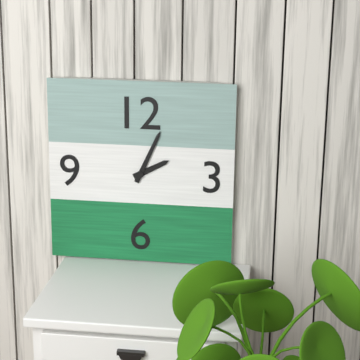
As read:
{"hour": 2, "minute": 4}
